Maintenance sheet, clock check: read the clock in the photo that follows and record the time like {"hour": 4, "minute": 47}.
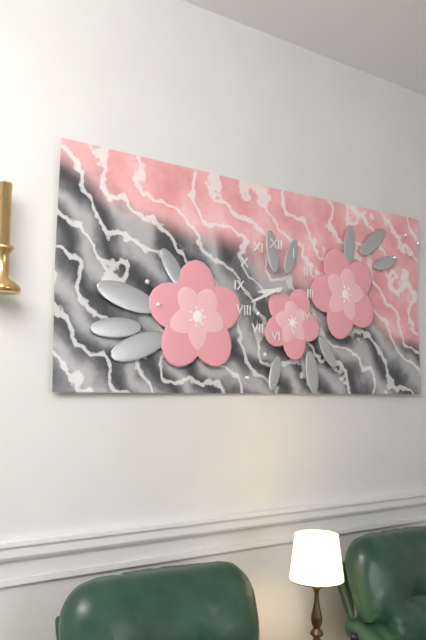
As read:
{"hour": 8, "minute": 41}
